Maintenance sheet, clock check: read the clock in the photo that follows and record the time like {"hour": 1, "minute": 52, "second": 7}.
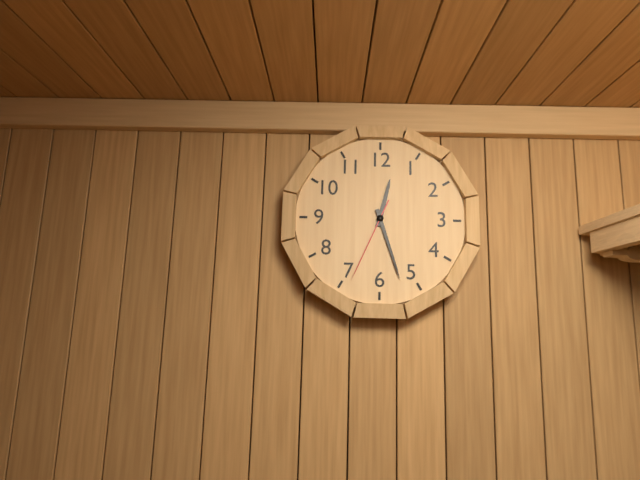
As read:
{"hour": 12, "minute": 27, "second": 34}
